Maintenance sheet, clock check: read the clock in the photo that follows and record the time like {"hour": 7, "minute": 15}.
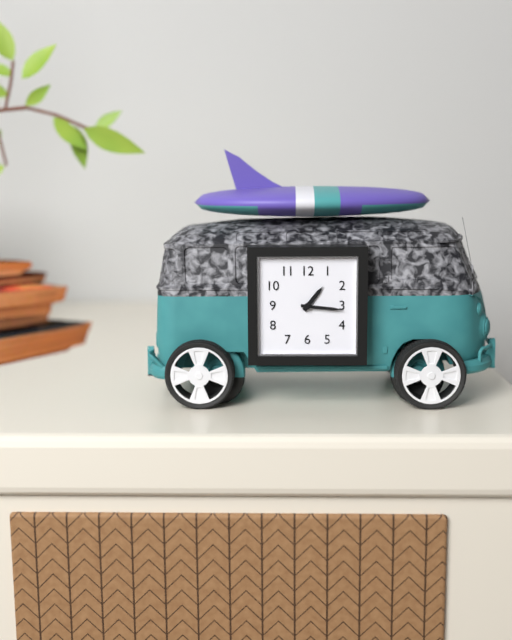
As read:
{"hour": 1, "minute": 16}
